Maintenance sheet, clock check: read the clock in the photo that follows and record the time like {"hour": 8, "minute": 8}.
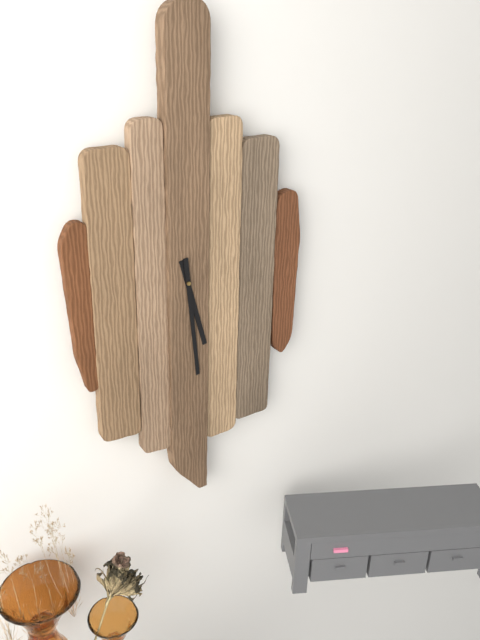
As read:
{"hour": 5, "minute": 29}
